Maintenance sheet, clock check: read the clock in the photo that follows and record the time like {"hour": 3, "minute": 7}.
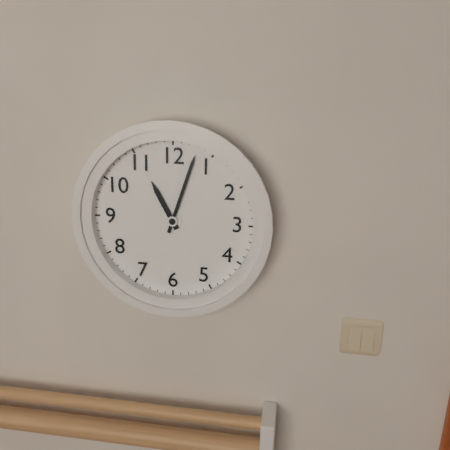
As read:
{"hour": 11, "minute": 3}
